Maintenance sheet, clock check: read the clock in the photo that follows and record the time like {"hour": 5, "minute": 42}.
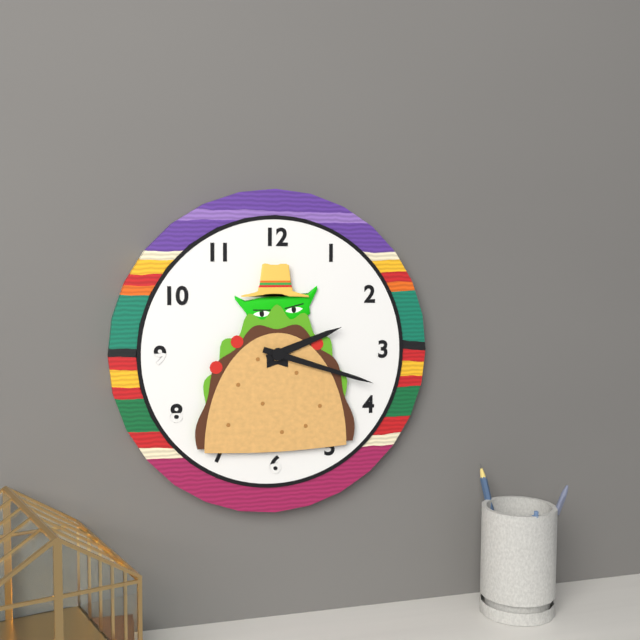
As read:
{"hour": 2, "minute": 18}
